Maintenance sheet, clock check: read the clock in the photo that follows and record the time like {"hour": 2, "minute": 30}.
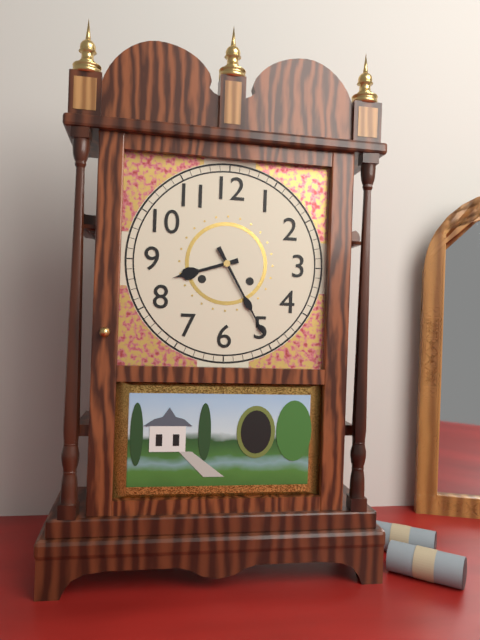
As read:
{"hour": 8, "minute": 25}
